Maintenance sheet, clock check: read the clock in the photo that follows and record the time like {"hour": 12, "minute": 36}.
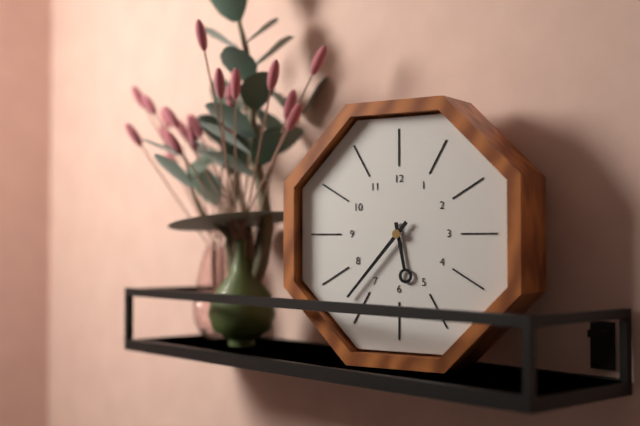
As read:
{"hour": 5, "minute": 37}
